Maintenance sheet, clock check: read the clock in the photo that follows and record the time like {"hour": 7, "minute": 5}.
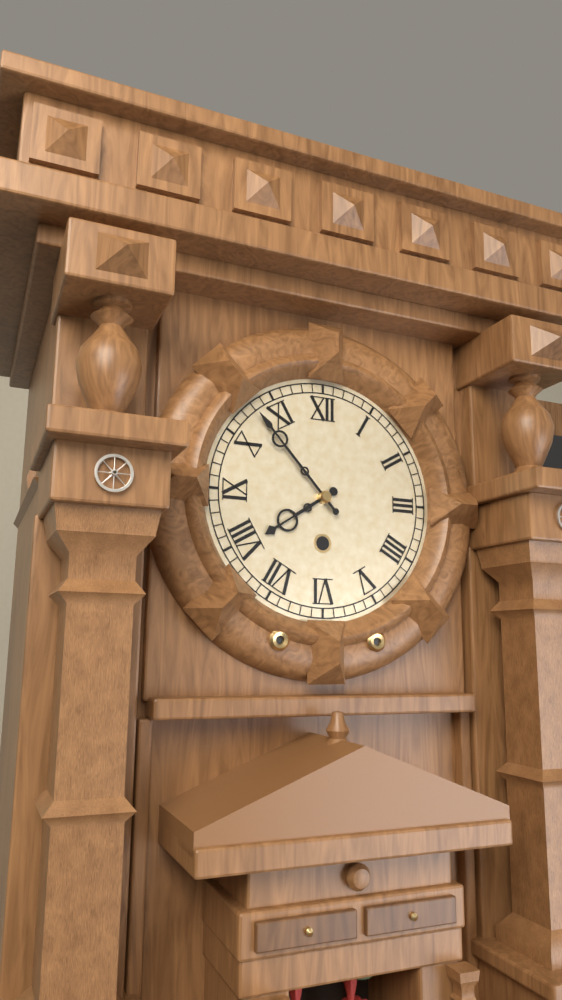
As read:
{"hour": 7, "minute": 53}
